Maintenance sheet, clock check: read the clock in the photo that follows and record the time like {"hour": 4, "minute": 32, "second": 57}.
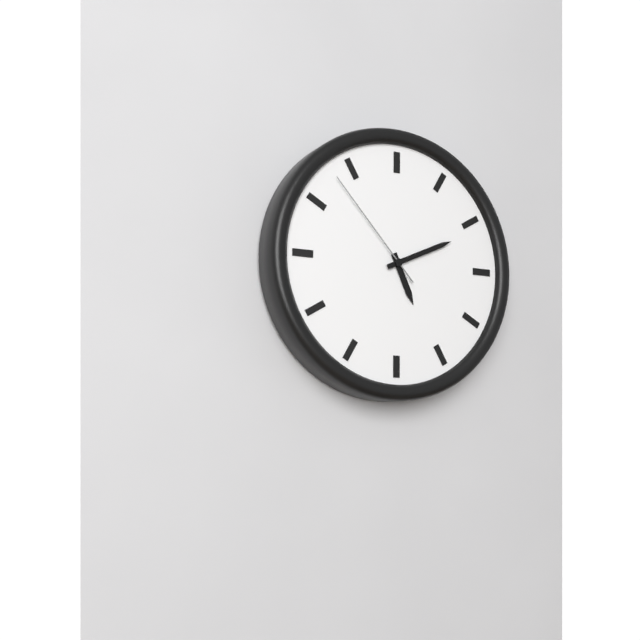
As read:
{"hour": 5, "minute": 11, "second": 53}
